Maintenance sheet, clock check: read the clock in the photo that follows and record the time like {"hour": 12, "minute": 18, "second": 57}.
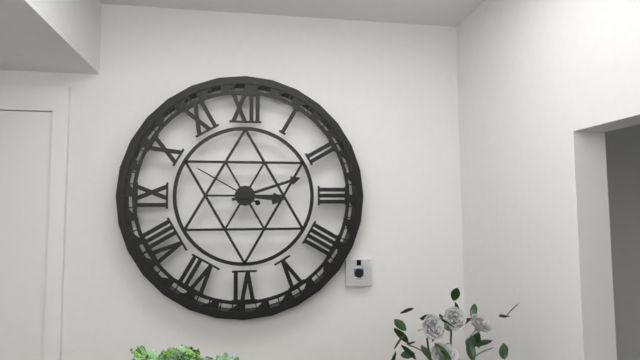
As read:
{"hour": 3, "minute": 12, "second": 50}
